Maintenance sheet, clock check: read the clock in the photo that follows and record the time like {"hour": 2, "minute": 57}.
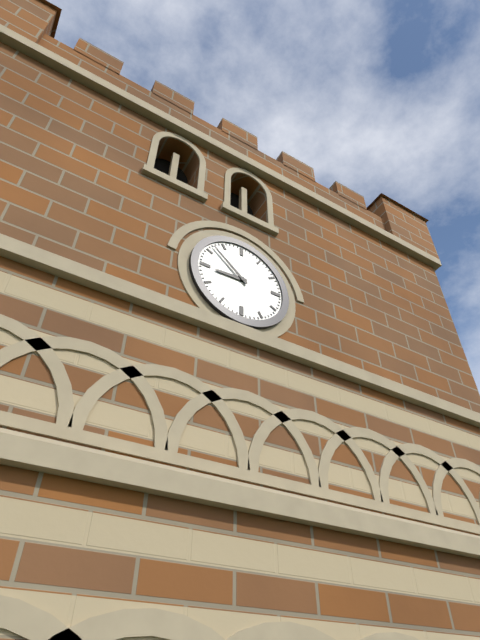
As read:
{"hour": 8, "minute": 52}
